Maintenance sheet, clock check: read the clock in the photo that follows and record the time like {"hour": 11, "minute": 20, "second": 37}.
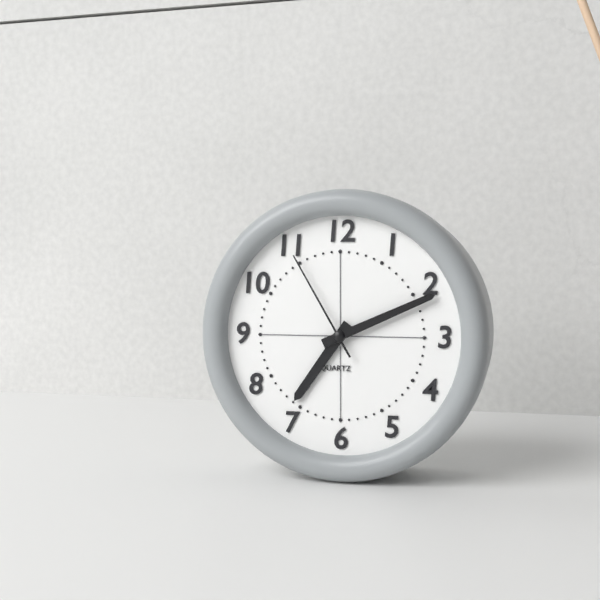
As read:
{"hour": 7, "minute": 11, "second": 55}
